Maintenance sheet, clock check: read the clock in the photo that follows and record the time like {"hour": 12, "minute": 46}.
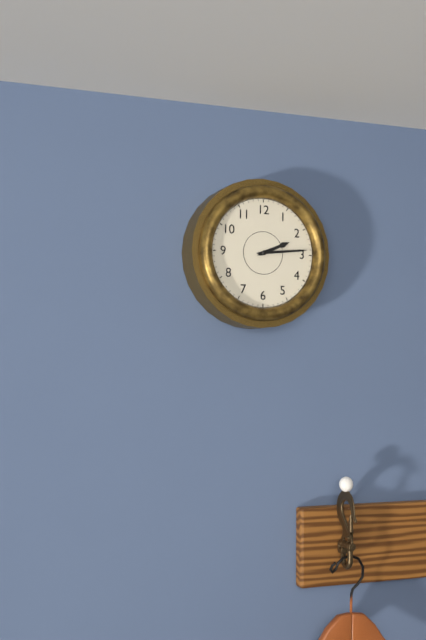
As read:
{"hour": 2, "minute": 14}
